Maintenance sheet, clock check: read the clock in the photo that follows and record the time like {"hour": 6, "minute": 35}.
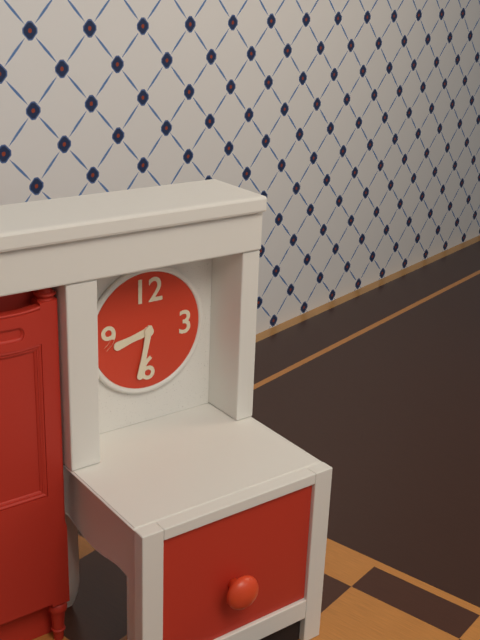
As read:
{"hour": 8, "minute": 32}
